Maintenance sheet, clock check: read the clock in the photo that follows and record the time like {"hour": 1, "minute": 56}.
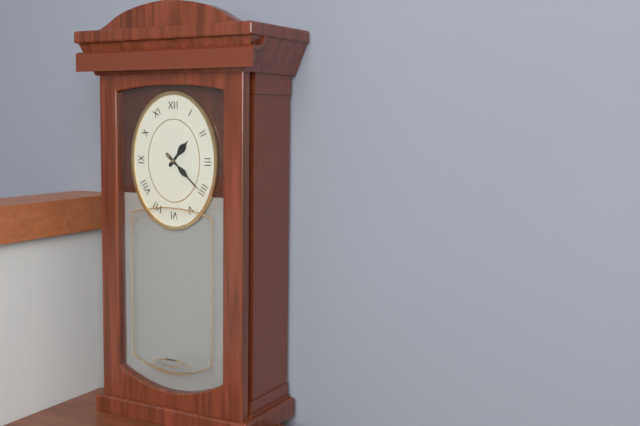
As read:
{"hour": 1, "minute": 22}
